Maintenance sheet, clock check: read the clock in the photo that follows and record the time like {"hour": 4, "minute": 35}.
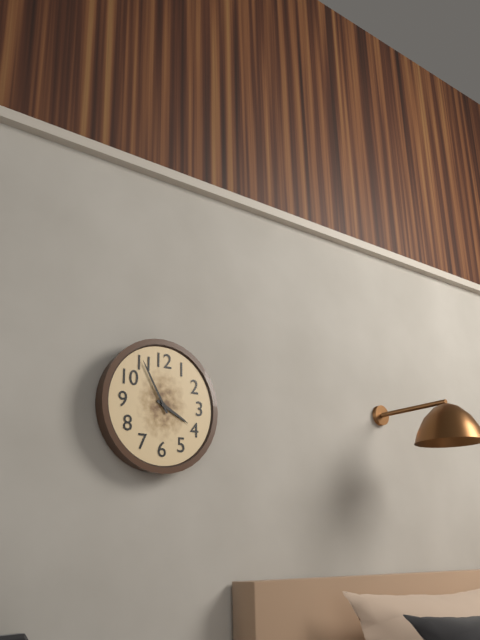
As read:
{"hour": 3, "minute": 55}
